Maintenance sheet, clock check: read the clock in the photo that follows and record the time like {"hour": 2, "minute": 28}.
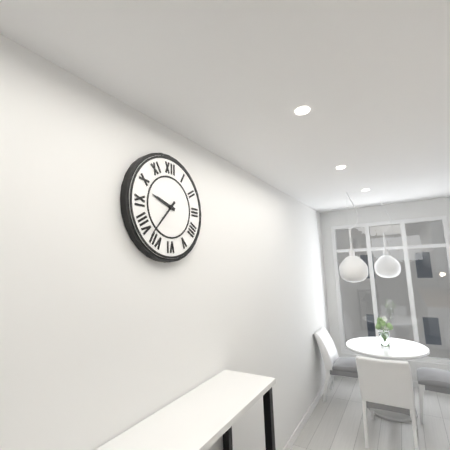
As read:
{"hour": 9, "minute": 37}
